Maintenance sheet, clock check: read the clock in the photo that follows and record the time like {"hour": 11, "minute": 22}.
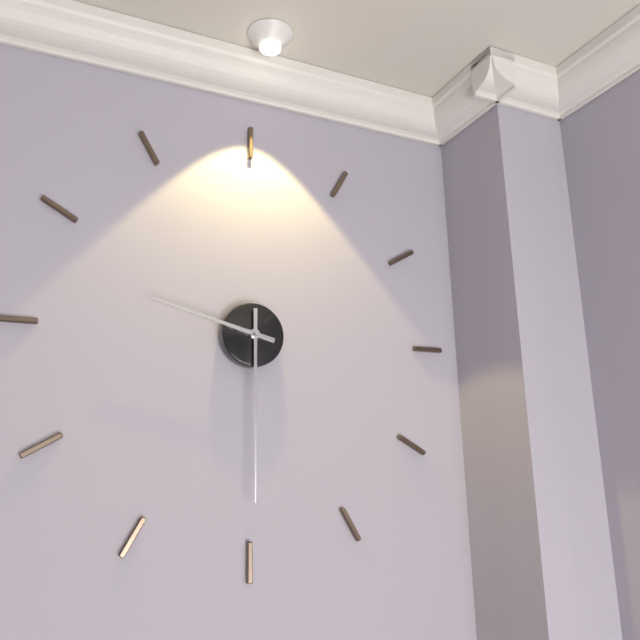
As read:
{"hour": 9, "minute": 30}
